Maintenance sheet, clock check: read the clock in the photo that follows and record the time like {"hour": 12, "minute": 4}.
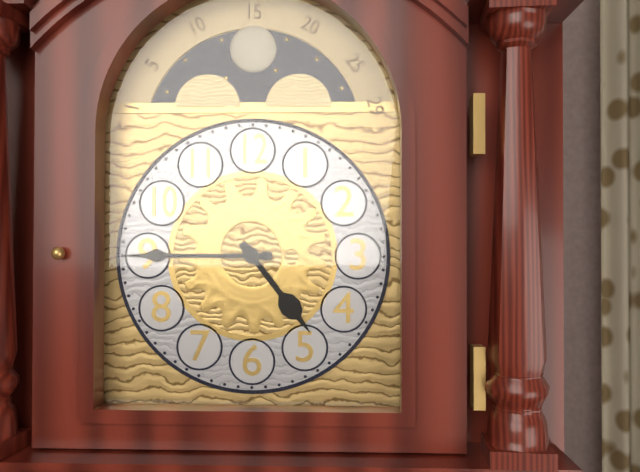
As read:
{"hour": 4, "minute": 45}
